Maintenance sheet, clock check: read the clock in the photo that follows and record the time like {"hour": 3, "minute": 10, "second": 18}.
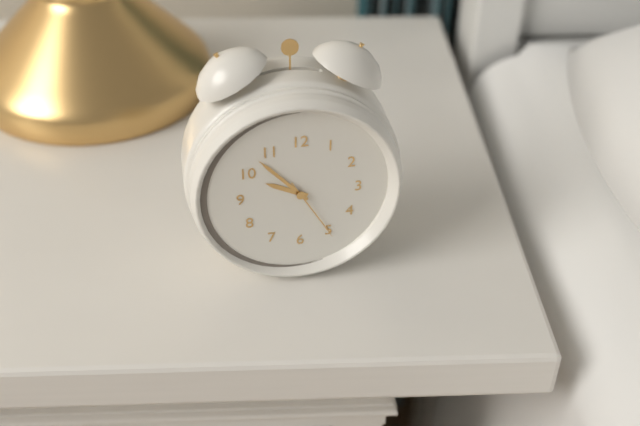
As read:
{"hour": 9, "minute": 53, "second": 25}
